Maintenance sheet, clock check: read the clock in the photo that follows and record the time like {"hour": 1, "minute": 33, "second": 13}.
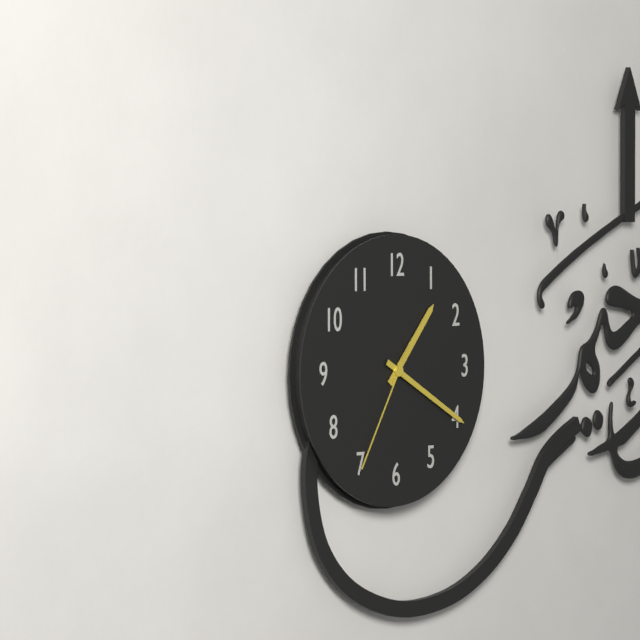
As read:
{"hour": 1, "minute": 20, "second": 35}
